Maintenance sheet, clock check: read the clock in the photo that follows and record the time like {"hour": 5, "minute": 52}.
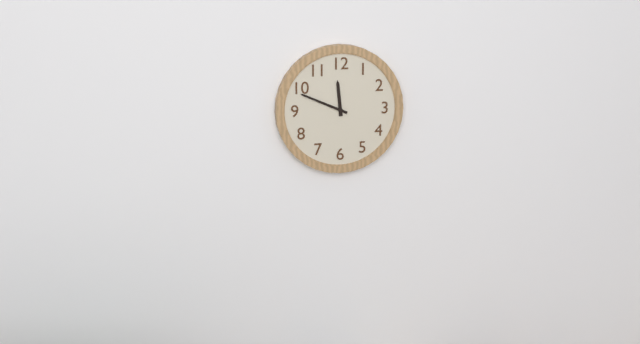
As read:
{"hour": 11, "minute": 49}
